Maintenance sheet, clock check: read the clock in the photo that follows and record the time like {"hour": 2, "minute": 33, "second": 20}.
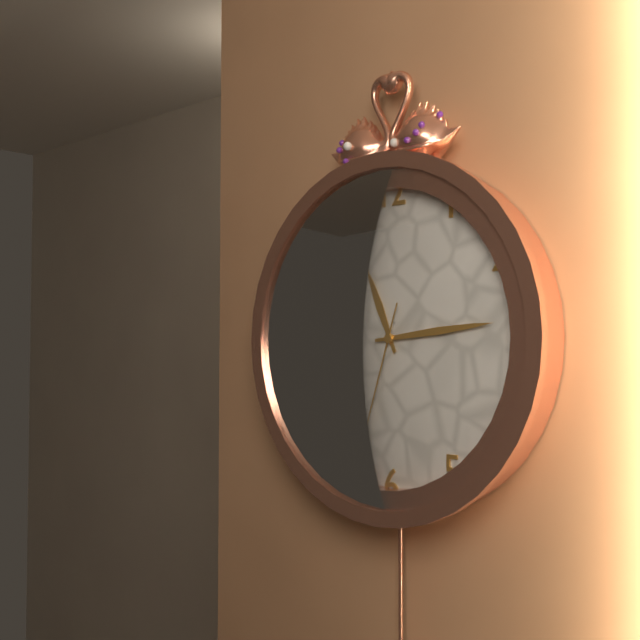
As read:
{"hour": 11, "minute": 14, "second": 33}
